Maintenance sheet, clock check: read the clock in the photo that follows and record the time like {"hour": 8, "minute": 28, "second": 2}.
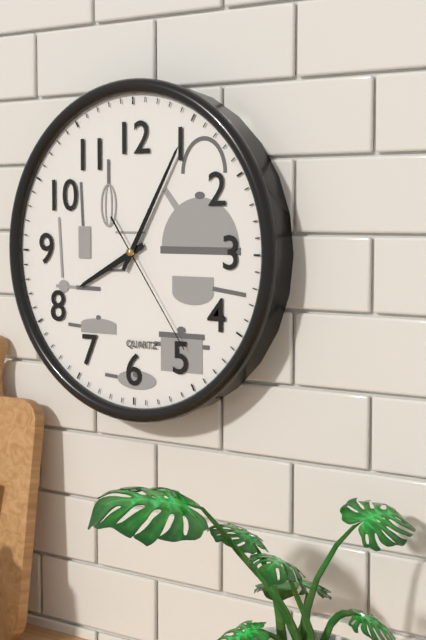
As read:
{"hour": 8, "minute": 5, "second": 24}
